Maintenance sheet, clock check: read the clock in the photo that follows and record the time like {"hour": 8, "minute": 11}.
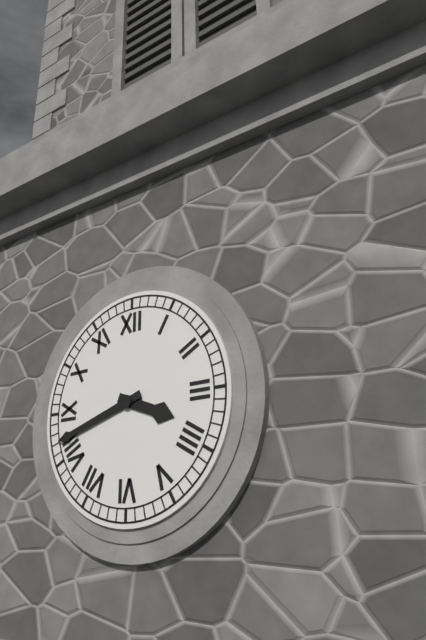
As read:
{"hour": 3, "minute": 42}
